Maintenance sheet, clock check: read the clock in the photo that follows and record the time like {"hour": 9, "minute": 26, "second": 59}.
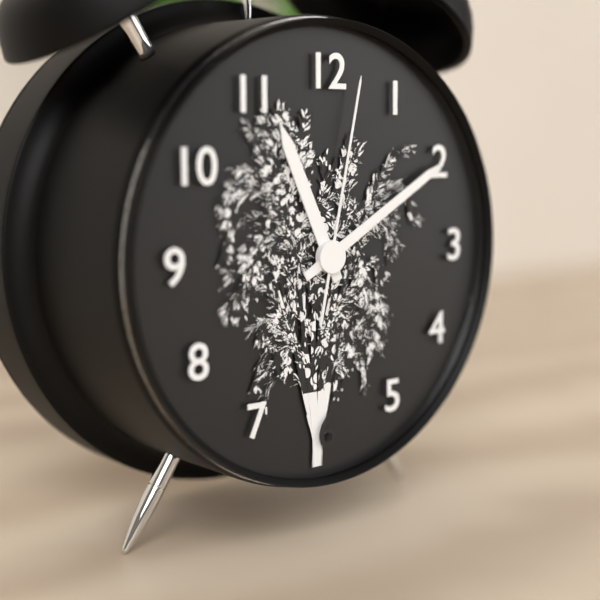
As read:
{"hour": 11, "minute": 10, "second": 2}
